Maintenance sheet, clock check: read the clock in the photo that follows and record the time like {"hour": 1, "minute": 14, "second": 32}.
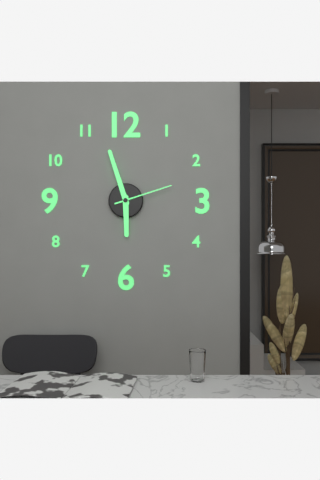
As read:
{"hour": 5, "minute": 57, "second": 12}
